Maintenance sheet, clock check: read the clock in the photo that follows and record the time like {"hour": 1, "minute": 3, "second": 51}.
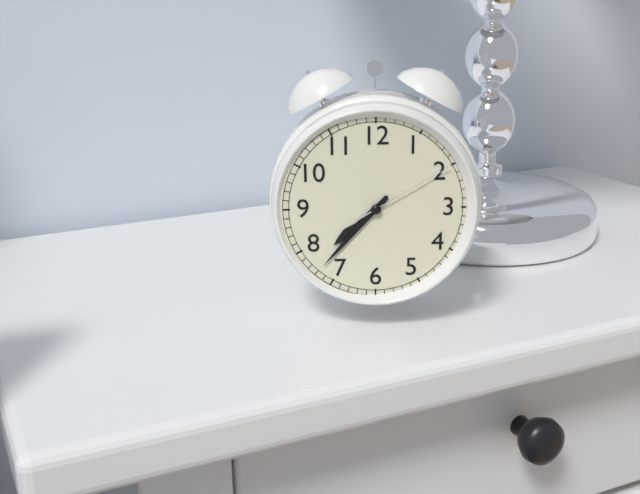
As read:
{"hour": 7, "minute": 37, "second": 10}
